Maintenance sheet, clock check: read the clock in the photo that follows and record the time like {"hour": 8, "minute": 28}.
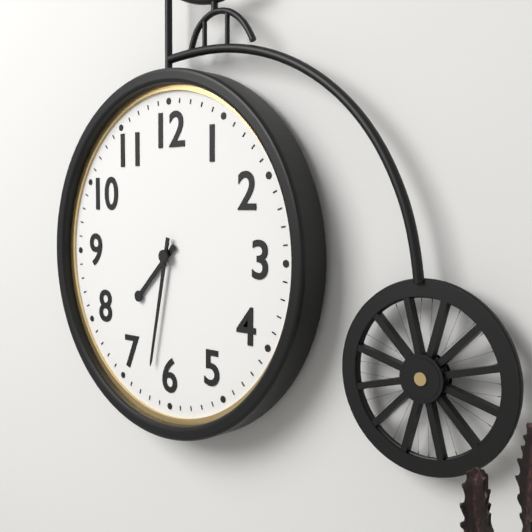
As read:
{"hour": 7, "minute": 32}
